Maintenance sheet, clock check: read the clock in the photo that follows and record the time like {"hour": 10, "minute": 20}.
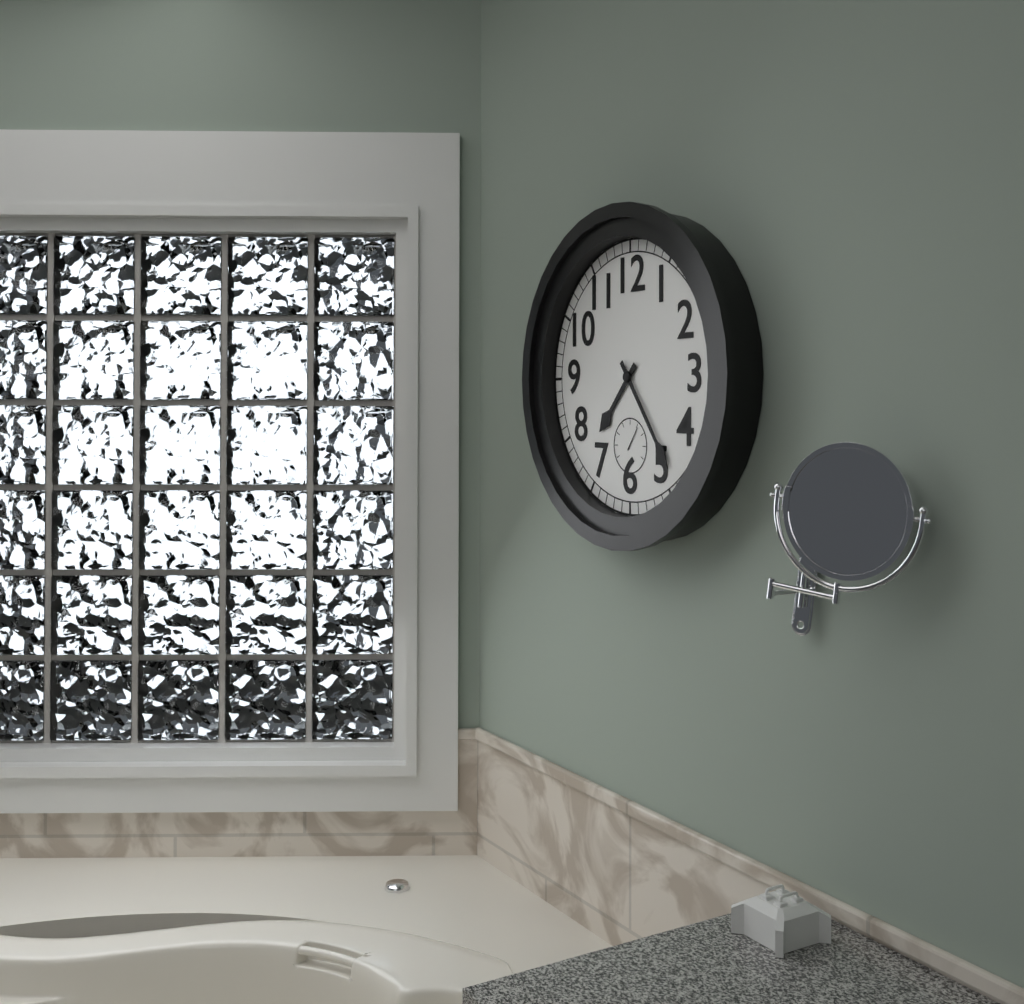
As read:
{"hour": 7, "minute": 24}
